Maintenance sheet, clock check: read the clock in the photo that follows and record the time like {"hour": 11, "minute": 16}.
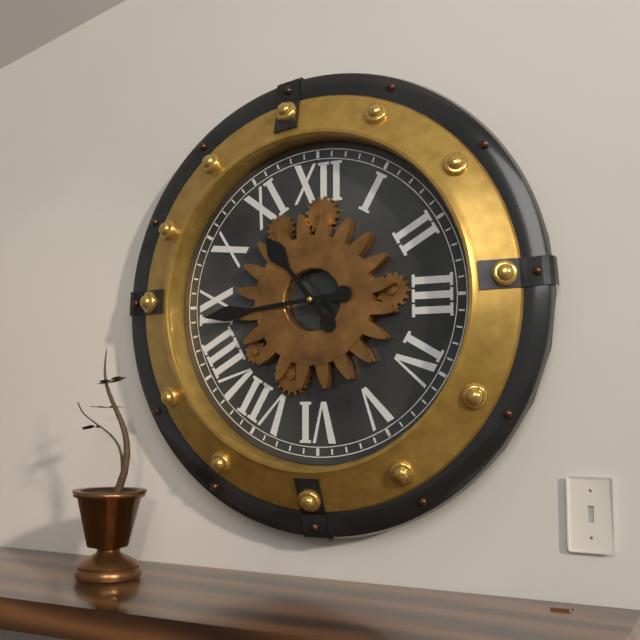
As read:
{"hour": 10, "minute": 44}
